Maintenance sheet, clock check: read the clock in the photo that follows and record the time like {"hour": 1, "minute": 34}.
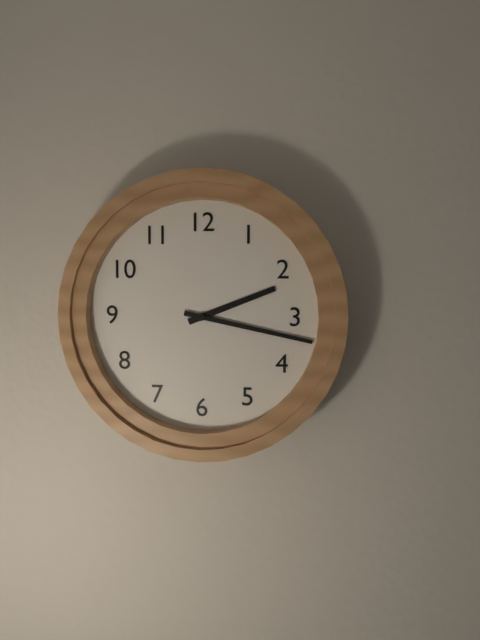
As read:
{"hour": 2, "minute": 17}
